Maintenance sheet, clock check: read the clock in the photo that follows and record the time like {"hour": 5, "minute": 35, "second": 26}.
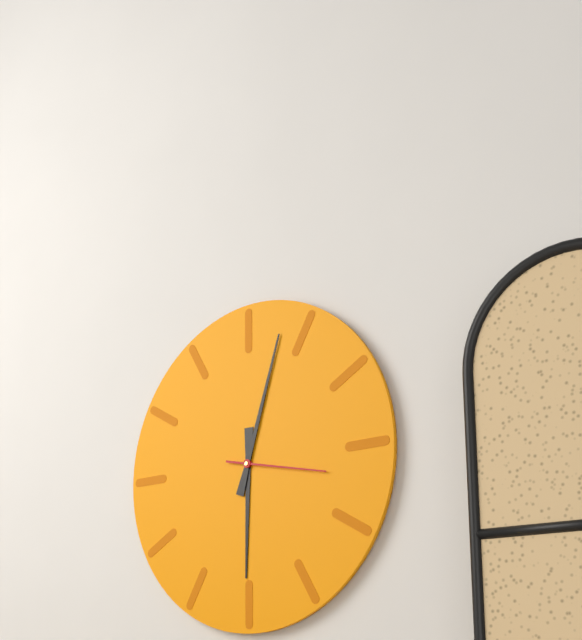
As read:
{"hour": 6, "minute": 3, "second": 17}
